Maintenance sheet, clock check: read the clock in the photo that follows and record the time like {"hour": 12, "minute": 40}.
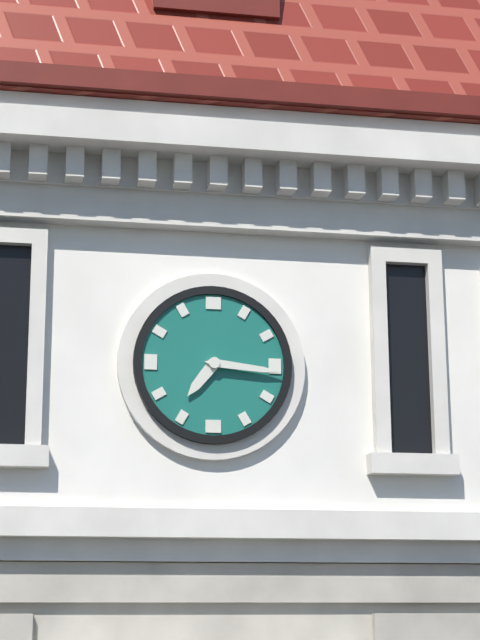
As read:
{"hour": 7, "minute": 16}
